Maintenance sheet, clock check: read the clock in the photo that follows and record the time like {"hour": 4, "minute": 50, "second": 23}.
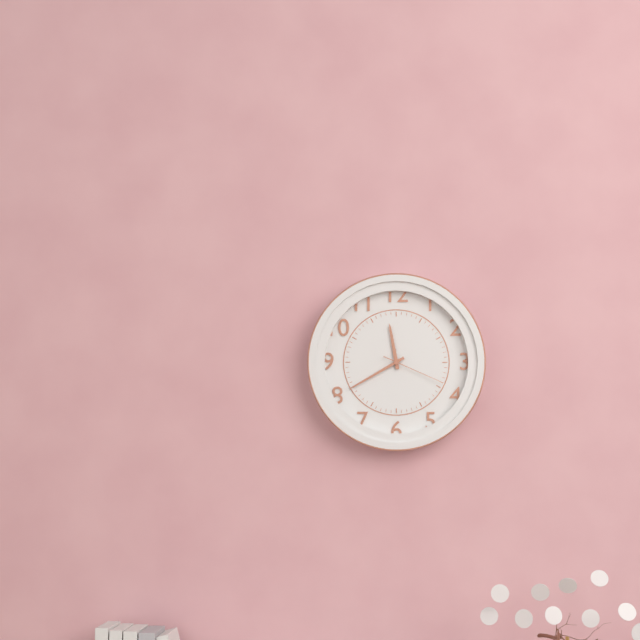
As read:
{"hour": 11, "minute": 40, "second": 19}
